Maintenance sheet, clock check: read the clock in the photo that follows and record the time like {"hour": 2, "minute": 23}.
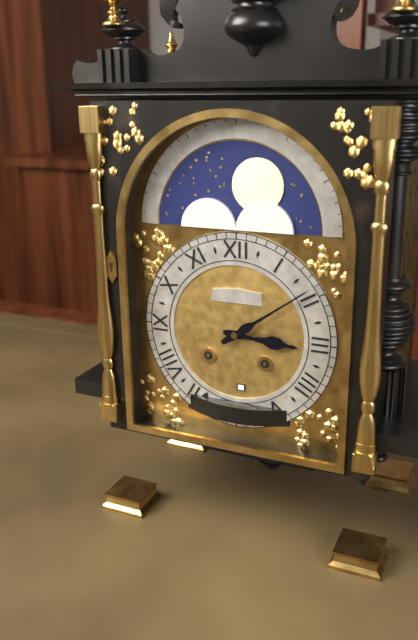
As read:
{"hour": 3, "minute": 9}
